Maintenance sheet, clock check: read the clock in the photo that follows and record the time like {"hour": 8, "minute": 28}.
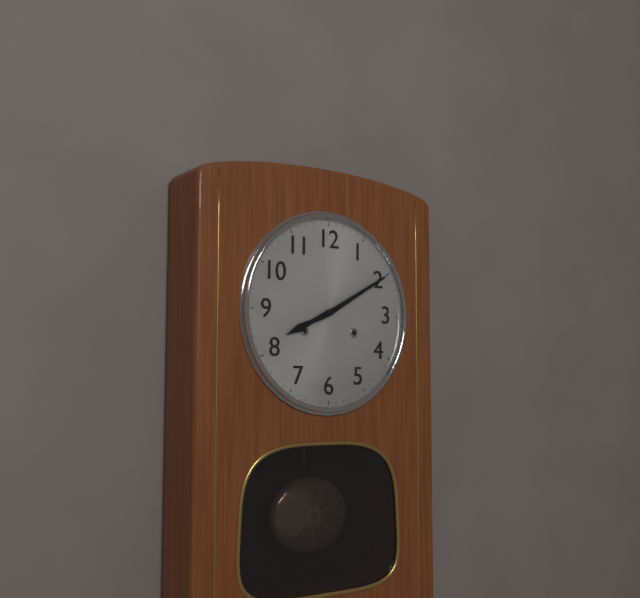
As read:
{"hour": 8, "minute": 10}
